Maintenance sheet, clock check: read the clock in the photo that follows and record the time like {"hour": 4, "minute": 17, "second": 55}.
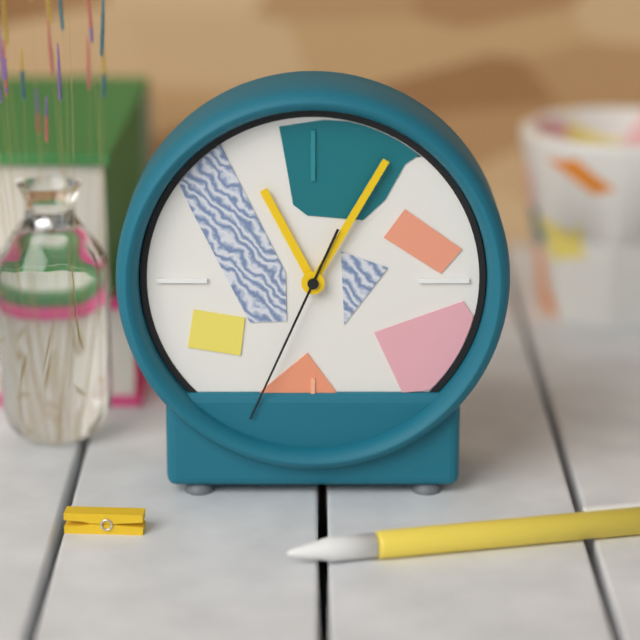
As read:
{"hour": 11, "minute": 5, "second": 34}
